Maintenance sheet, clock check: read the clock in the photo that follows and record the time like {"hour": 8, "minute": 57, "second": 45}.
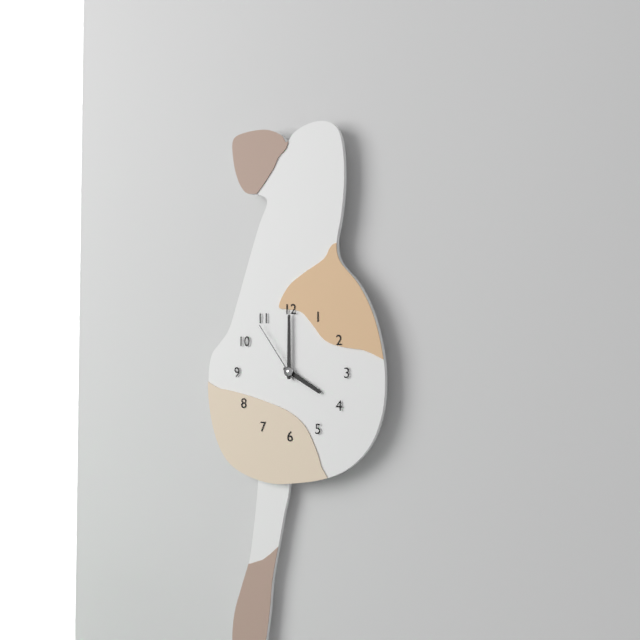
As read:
{"hour": 4, "minute": 0, "second": 54}
